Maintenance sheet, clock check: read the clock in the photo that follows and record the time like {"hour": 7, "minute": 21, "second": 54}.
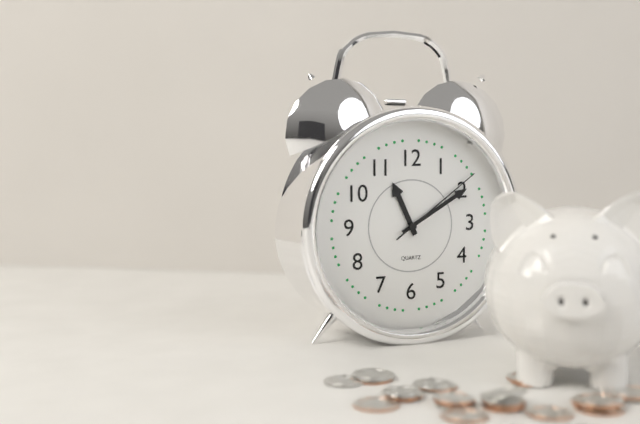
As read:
{"hour": 11, "minute": 10, "second": 9}
